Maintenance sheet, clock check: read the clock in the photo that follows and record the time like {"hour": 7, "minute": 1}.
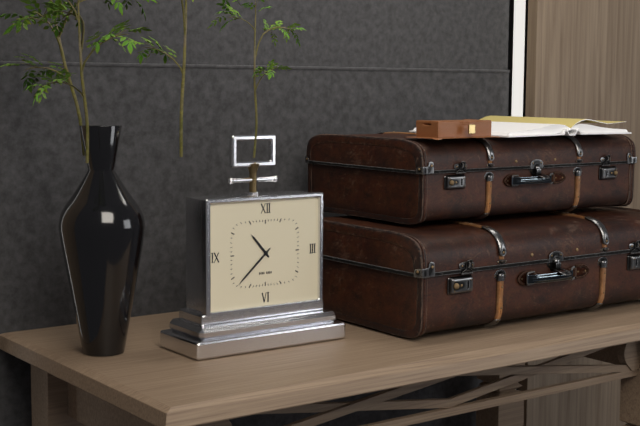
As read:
{"hour": 10, "minute": 38}
